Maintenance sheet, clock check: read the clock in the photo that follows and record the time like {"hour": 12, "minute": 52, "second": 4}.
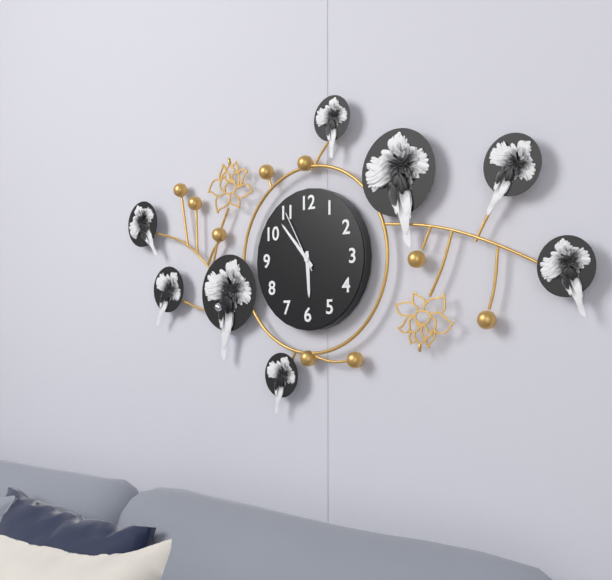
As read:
{"hour": 5, "minute": 53, "second": 55}
